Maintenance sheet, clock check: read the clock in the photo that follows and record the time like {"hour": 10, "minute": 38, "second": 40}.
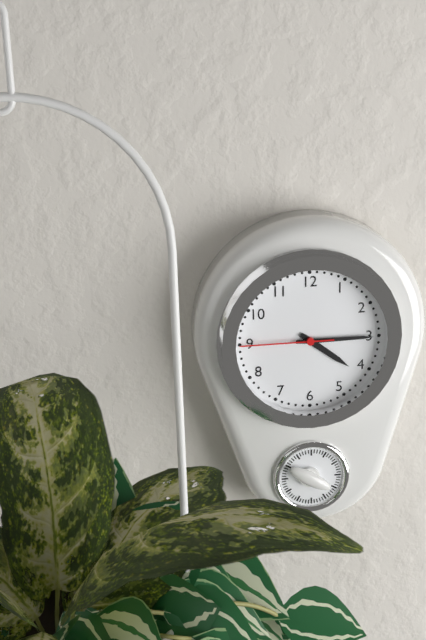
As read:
{"hour": 4, "minute": 15, "second": 45}
